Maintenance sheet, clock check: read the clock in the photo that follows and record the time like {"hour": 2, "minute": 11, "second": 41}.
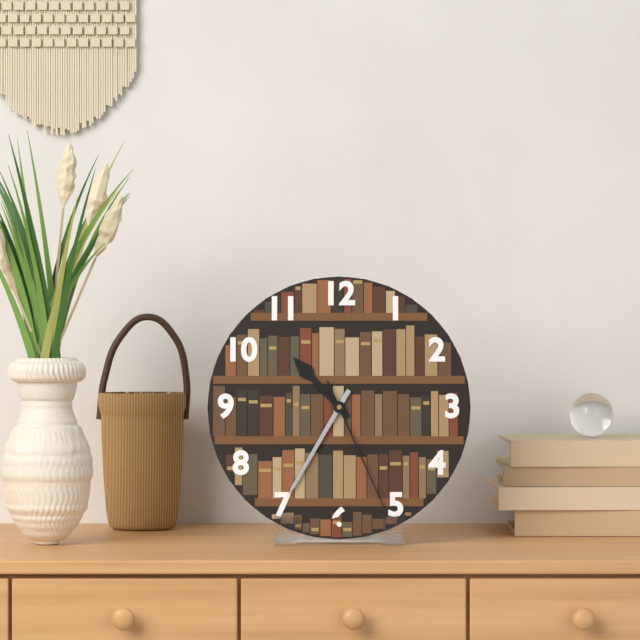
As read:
{"hour": 10, "minute": 35, "second": 26}
